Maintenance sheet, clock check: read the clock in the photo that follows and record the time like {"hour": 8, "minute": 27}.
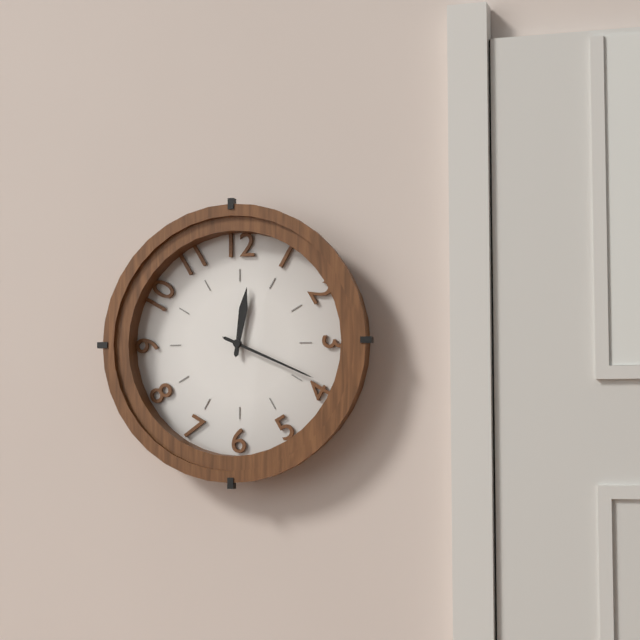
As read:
{"hour": 12, "minute": 19}
